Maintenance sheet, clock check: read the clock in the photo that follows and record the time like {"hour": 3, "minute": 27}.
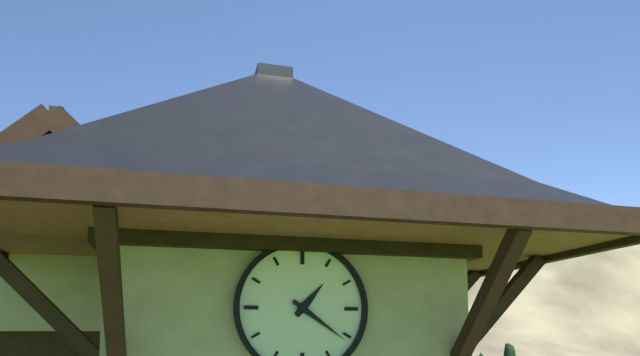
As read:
{"hour": 1, "minute": 21}
